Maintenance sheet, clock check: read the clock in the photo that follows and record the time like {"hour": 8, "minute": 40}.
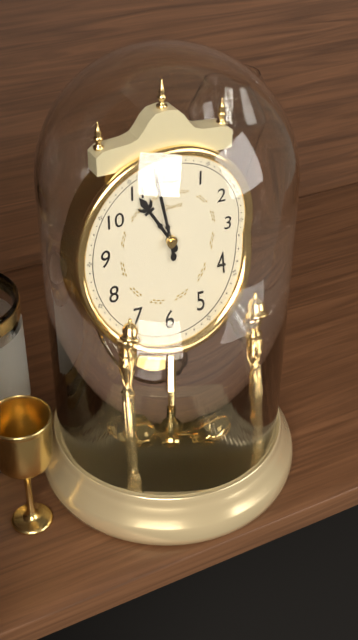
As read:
{"hour": 10, "minute": 58}
